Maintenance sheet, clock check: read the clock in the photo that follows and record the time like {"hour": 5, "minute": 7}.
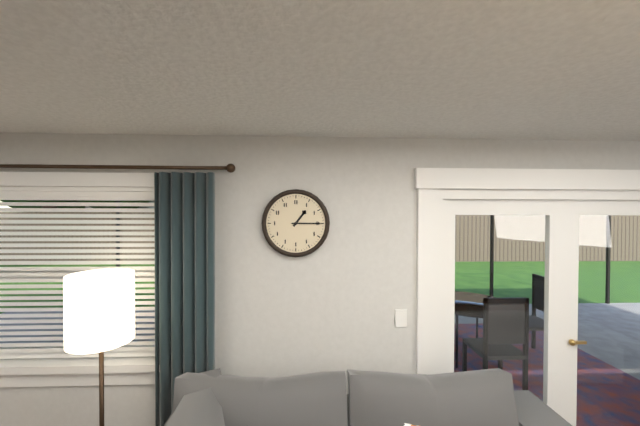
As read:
{"hour": 1, "minute": 15}
